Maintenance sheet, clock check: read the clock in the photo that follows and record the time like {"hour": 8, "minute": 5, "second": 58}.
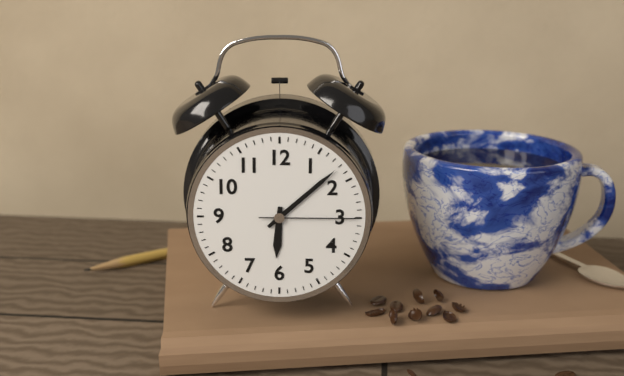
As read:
{"hour": 6, "minute": 8, "second": 15}
